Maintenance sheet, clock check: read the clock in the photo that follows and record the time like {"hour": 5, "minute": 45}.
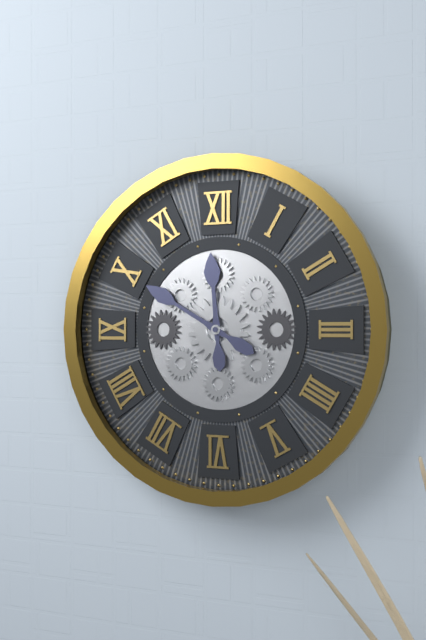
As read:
{"hour": 11, "minute": 50}
